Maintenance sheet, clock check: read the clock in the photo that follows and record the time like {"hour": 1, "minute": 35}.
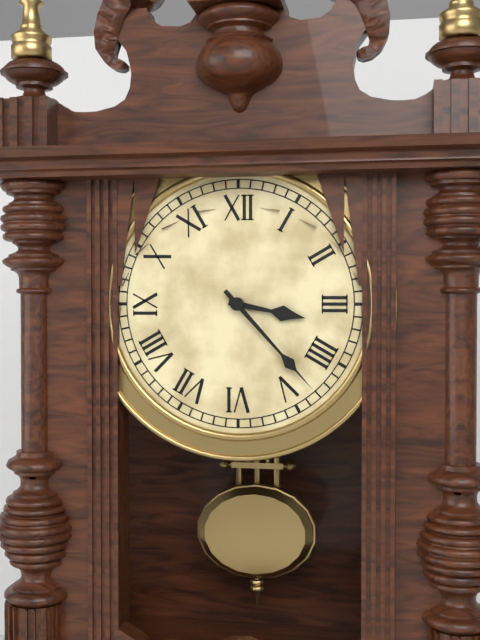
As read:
{"hour": 3, "minute": 23}
